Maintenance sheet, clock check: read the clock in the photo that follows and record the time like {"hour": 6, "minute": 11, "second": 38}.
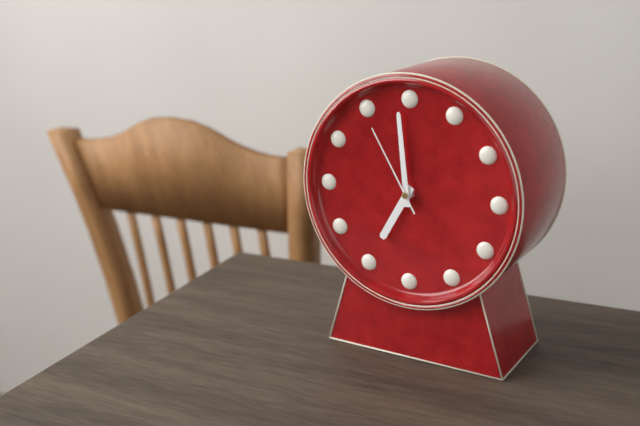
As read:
{"hour": 6, "minute": 59, "second": 55}
